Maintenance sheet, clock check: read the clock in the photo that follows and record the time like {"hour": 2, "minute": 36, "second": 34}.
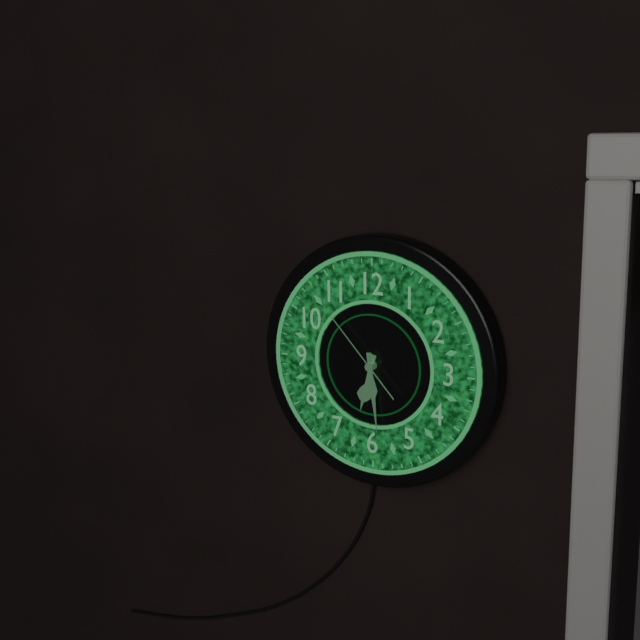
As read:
{"hour": 6, "minute": 29, "second": 53}
